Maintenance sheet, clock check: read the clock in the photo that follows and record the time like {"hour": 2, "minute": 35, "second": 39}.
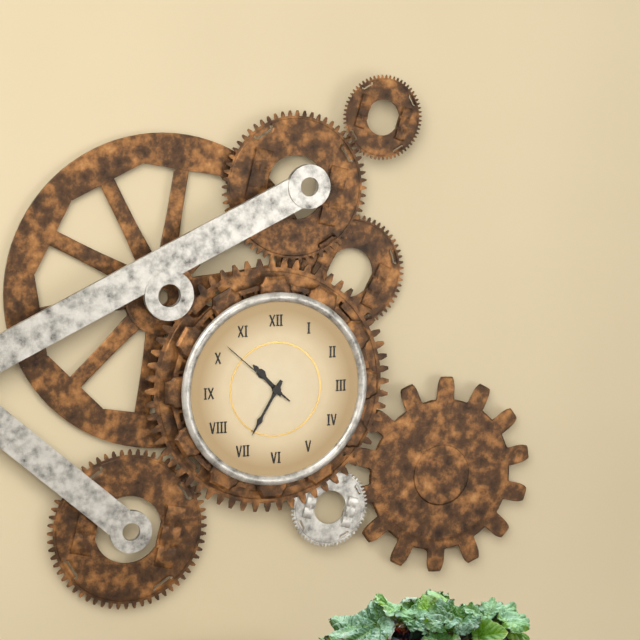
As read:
{"hour": 10, "minute": 35, "second": 52}
